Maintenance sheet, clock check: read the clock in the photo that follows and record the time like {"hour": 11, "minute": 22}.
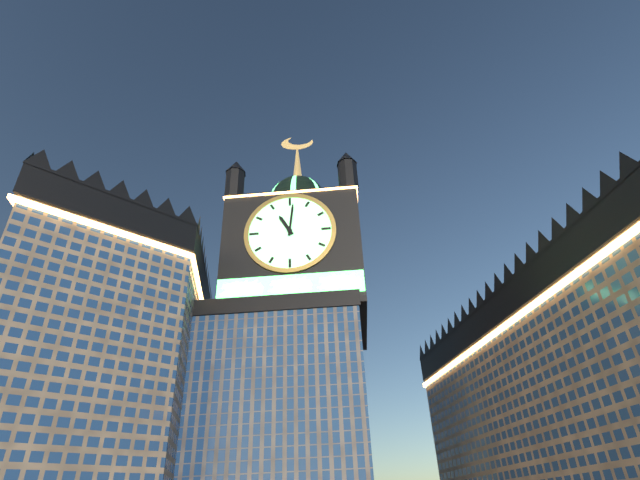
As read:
{"hour": 11, "minute": 1}
